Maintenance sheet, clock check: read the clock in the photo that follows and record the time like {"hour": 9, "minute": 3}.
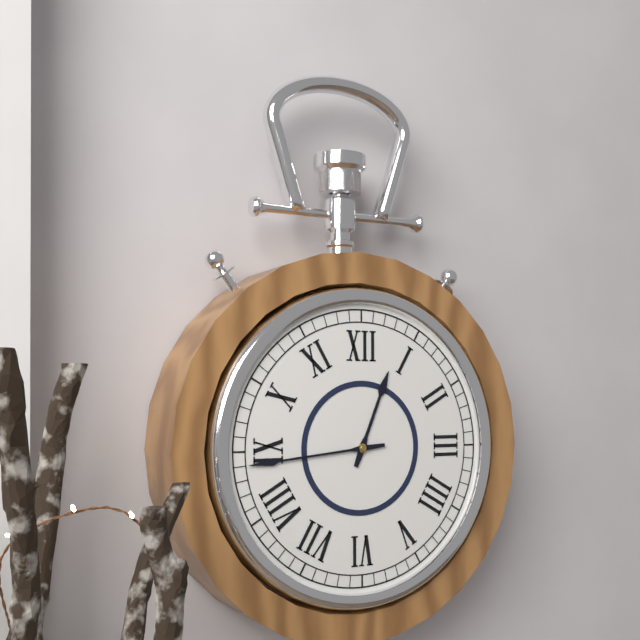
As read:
{"hour": 12, "minute": 44}
